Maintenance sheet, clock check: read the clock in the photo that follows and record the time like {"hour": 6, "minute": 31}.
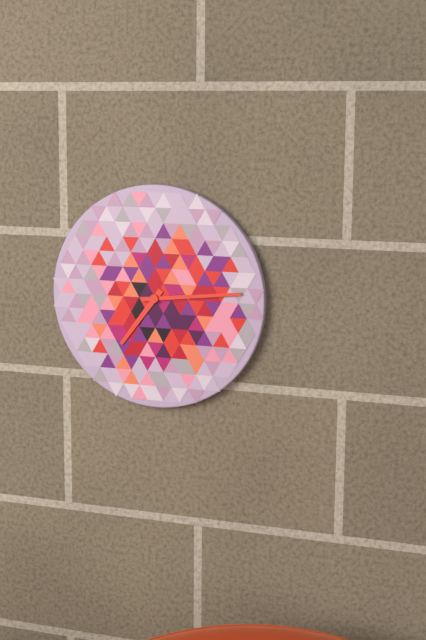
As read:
{"hour": 7, "minute": 14}
